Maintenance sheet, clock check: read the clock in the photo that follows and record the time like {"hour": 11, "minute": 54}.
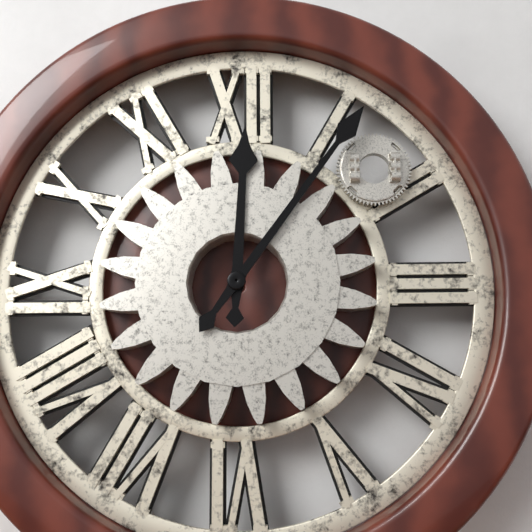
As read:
{"hour": 12, "minute": 6}
